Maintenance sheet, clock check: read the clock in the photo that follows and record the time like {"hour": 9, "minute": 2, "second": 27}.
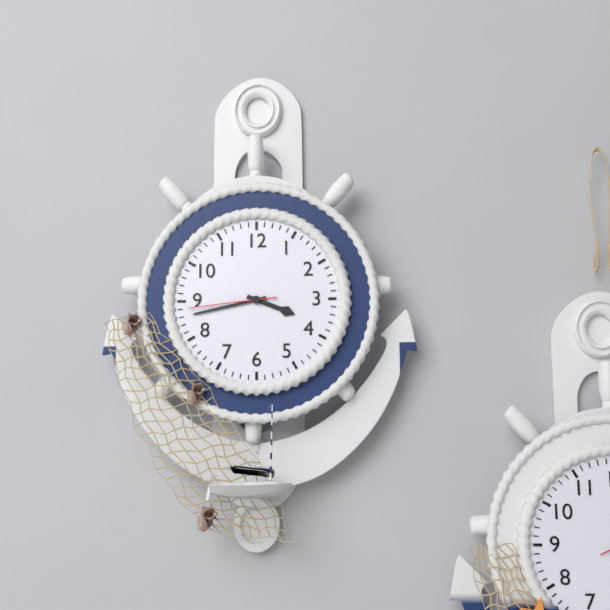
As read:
{"hour": 3, "minute": 43, "second": 44}
